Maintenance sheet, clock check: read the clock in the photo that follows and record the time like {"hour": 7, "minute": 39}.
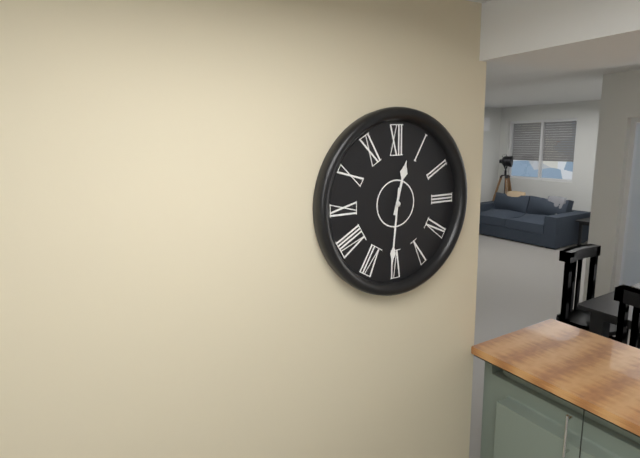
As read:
{"hour": 12, "minute": 31}
